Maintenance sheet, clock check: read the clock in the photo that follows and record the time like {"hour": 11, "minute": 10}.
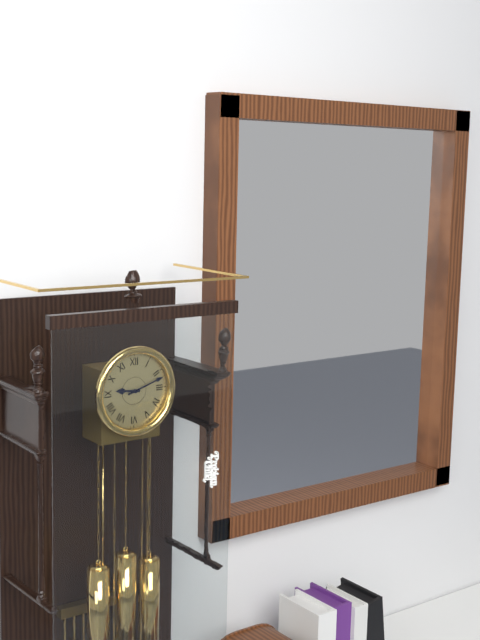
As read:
{"hour": 9, "minute": 12}
